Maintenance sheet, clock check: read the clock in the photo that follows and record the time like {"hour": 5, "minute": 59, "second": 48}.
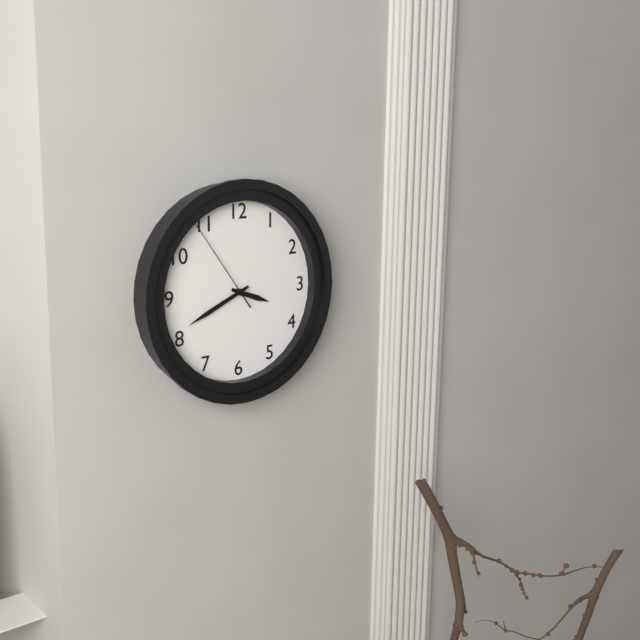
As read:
{"hour": 3, "minute": 41, "second": 54}
